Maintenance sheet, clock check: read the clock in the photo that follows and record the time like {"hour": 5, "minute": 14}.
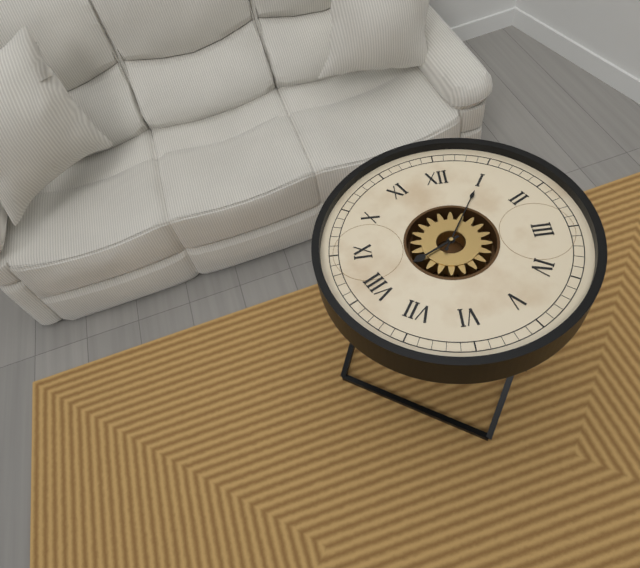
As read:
{"hour": 8, "minute": 5}
